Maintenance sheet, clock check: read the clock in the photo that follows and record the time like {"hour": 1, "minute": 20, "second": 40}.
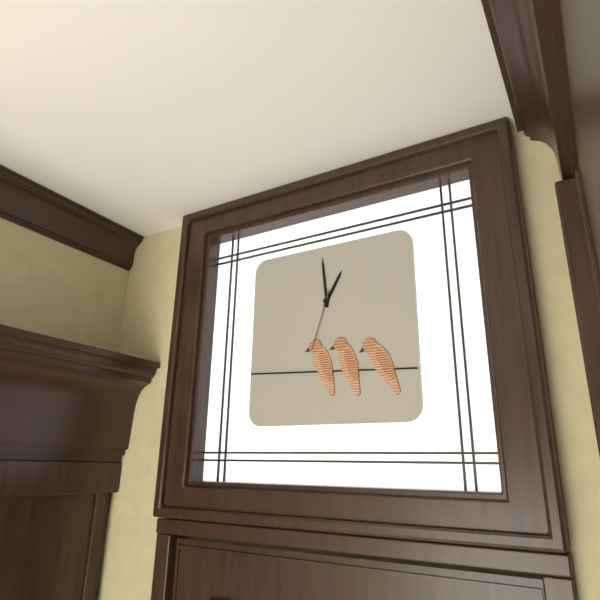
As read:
{"hour": 12, "minute": 59, "second": 33}
